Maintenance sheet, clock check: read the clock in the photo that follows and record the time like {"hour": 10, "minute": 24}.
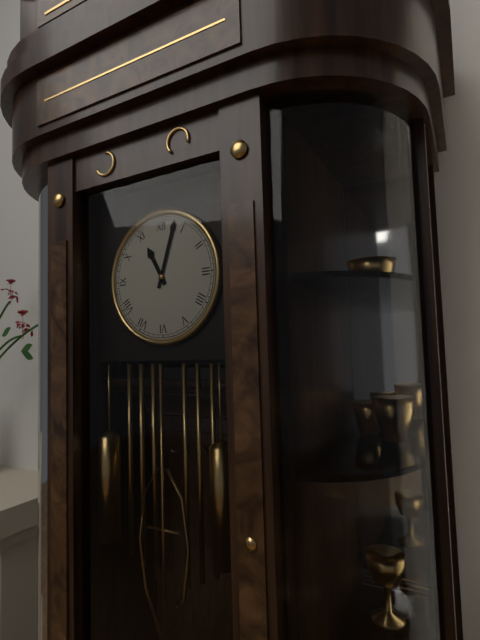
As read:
{"hour": 11, "minute": 3}
